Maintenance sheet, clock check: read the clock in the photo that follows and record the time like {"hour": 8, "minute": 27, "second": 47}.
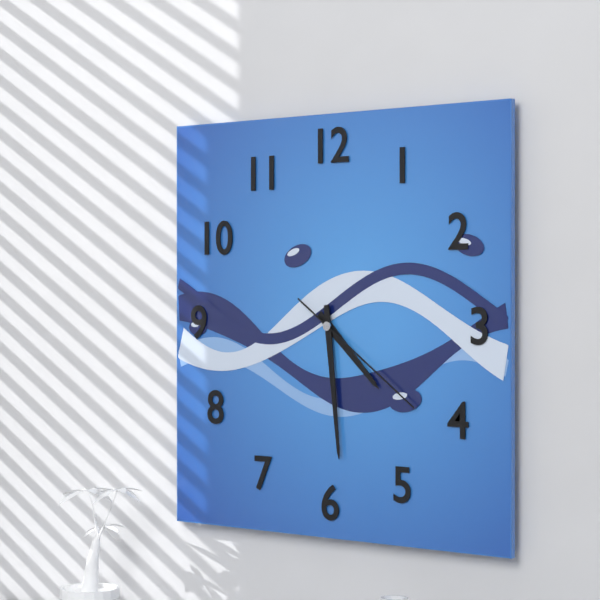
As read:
{"hour": 4, "minute": 29, "second": 21}
